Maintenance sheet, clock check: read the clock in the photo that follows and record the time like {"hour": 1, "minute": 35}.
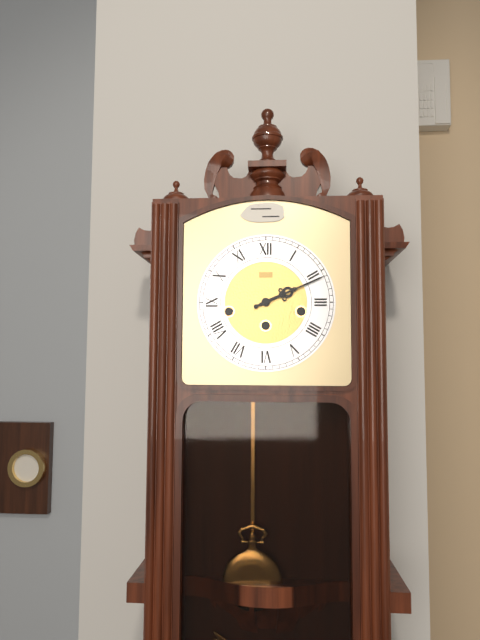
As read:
{"hour": 2, "minute": 11}
